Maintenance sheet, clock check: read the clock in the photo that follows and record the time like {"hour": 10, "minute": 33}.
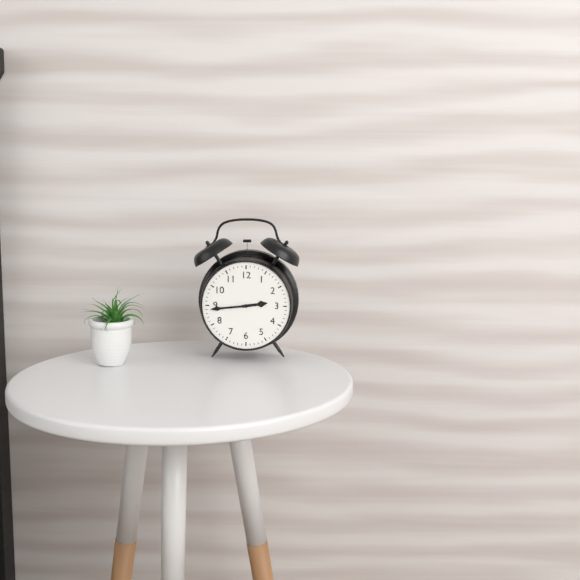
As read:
{"hour": 2, "minute": 44}
